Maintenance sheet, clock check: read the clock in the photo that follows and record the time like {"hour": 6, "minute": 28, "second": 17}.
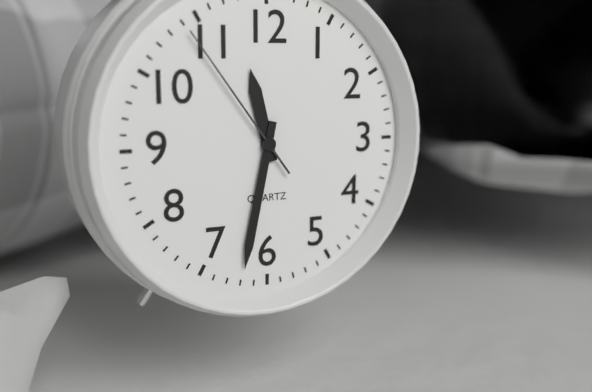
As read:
{"hour": 11, "minute": 32, "second": 54}
